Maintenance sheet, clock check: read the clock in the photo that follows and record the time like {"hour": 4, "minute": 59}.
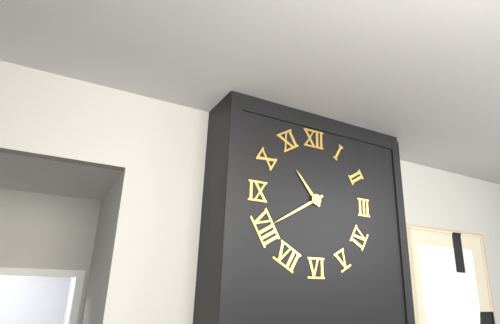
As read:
{"hour": 10, "minute": 40}
